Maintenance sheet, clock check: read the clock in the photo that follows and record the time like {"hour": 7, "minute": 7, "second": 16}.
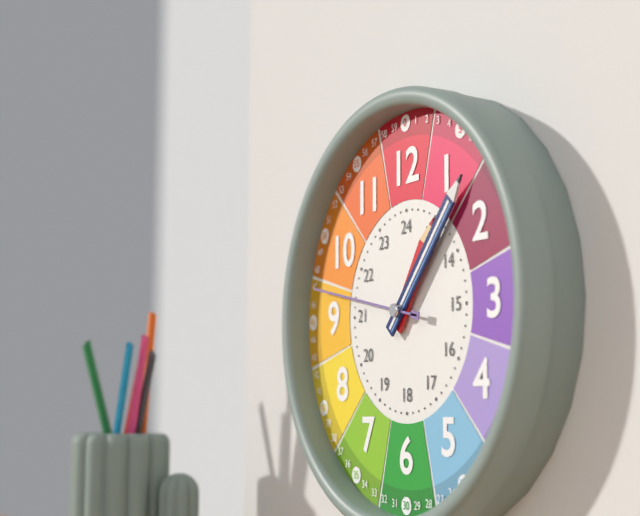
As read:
{"hour": 1, "minute": 7, "second": 47}
